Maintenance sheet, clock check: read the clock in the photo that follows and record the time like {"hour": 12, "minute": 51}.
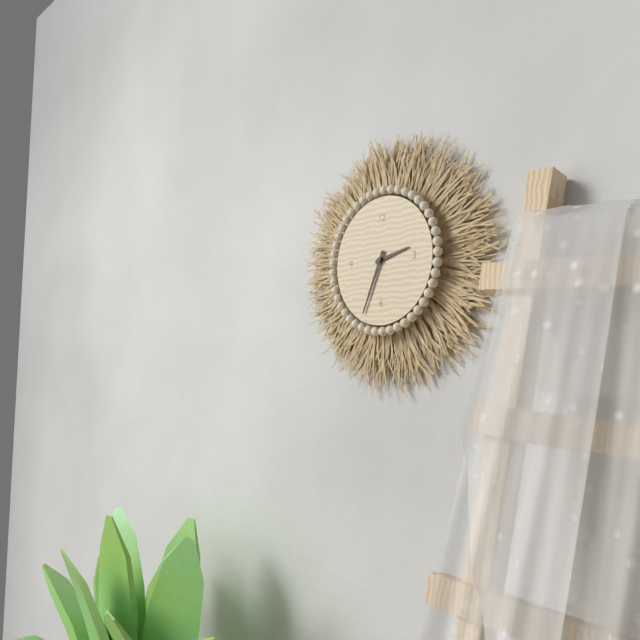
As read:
{"hour": 2, "minute": 34}
